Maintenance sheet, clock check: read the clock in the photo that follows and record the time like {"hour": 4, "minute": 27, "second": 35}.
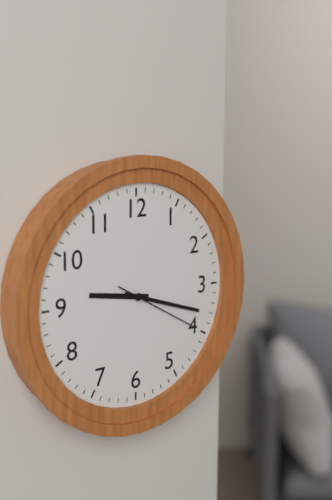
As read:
{"hour": 9, "minute": 18, "second": 20}
